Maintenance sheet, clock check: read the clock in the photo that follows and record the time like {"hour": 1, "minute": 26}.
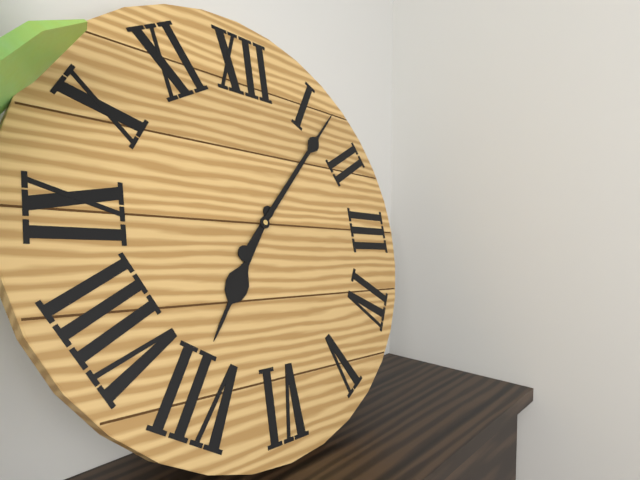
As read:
{"hour": 7, "minute": 7}
